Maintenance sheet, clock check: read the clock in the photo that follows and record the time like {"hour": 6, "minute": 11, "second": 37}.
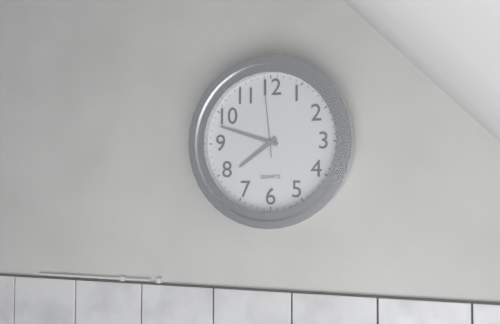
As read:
{"hour": 7, "minute": 48, "second": 59}
